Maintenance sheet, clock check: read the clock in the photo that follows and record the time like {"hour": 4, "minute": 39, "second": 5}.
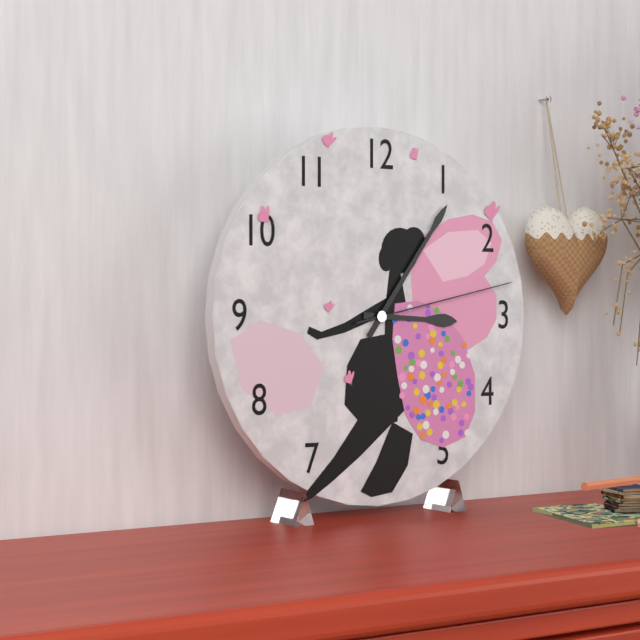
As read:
{"hour": 3, "minute": 6, "second": 13}
